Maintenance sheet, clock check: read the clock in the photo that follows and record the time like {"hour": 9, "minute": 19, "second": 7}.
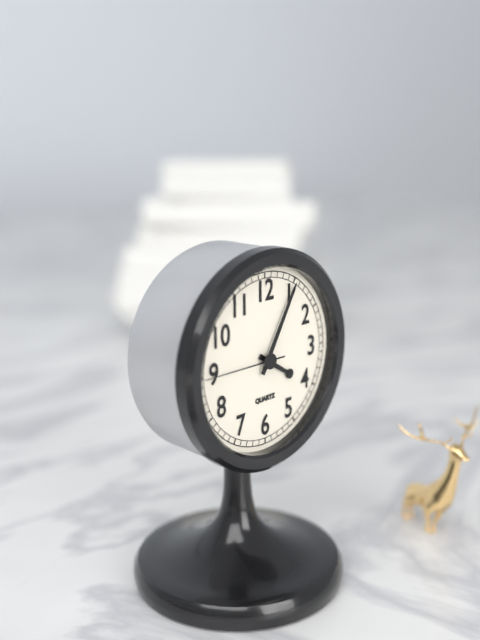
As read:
{"hour": 4, "minute": 5, "second": 45}
